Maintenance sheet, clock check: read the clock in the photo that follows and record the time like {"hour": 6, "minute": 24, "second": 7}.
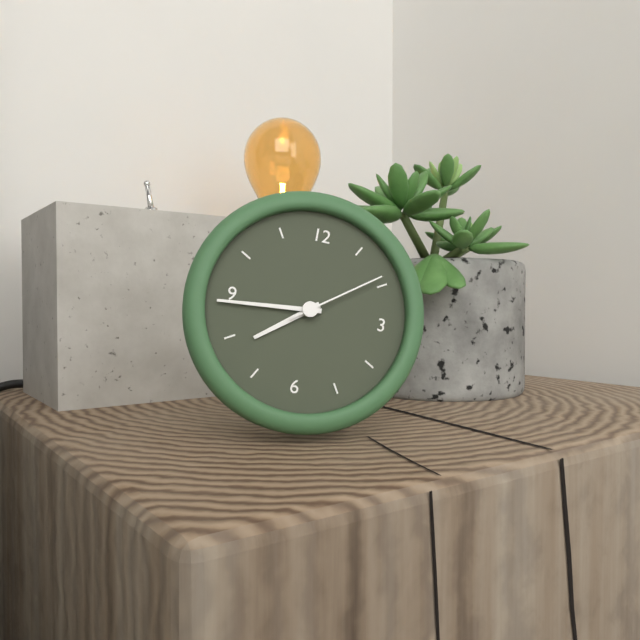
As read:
{"hour": 7, "minute": 44, "second": 9}
